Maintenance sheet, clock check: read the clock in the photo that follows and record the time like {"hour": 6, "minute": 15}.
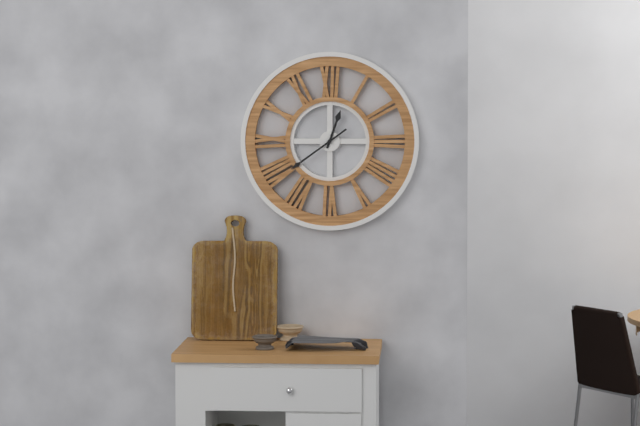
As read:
{"hour": 12, "minute": 39}
